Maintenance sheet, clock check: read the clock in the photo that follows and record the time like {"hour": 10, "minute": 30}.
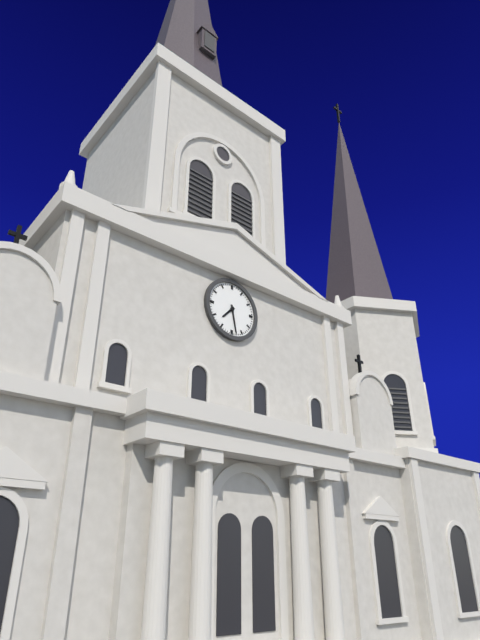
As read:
{"hour": 7, "minute": 28}
